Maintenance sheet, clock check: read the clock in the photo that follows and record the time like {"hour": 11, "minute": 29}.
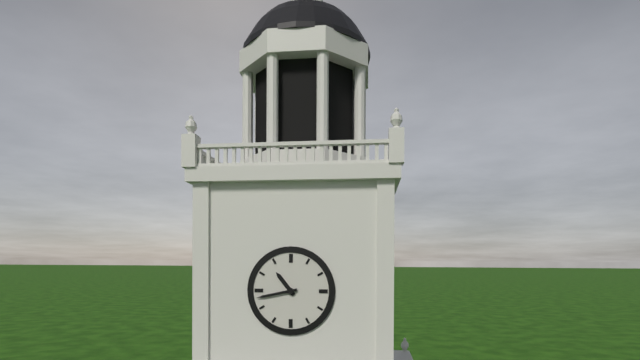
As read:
{"hour": 10, "minute": 43}
